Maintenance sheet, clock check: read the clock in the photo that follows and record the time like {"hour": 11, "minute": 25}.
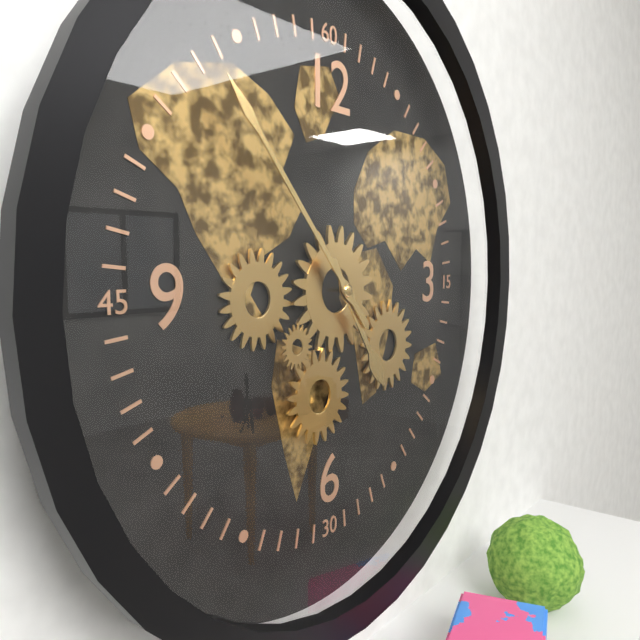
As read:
{"hour": 4, "minute": 53}
